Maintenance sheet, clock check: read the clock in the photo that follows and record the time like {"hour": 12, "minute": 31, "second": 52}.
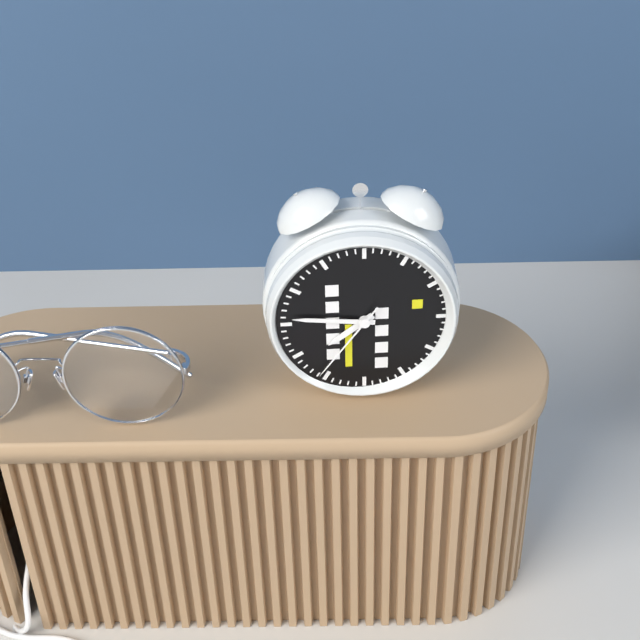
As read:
{"hour": 7, "minute": 46, "second": 36}
